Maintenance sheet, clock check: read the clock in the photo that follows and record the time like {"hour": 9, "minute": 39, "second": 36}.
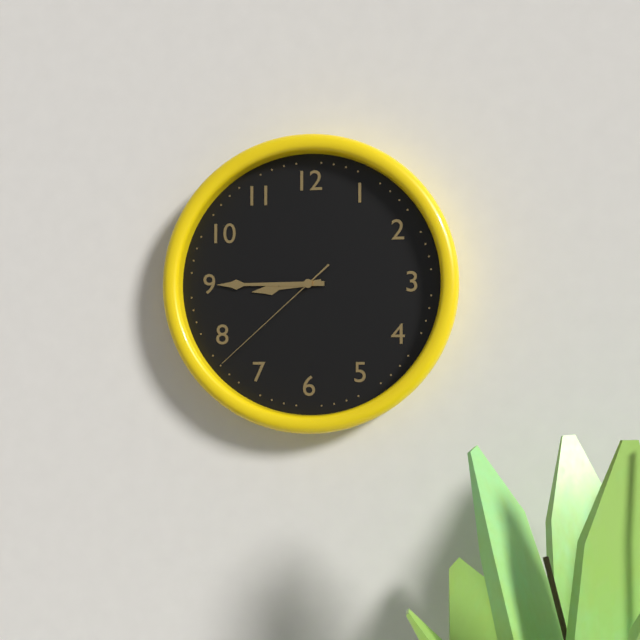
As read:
{"hour": 8, "minute": 45, "second": 38}
